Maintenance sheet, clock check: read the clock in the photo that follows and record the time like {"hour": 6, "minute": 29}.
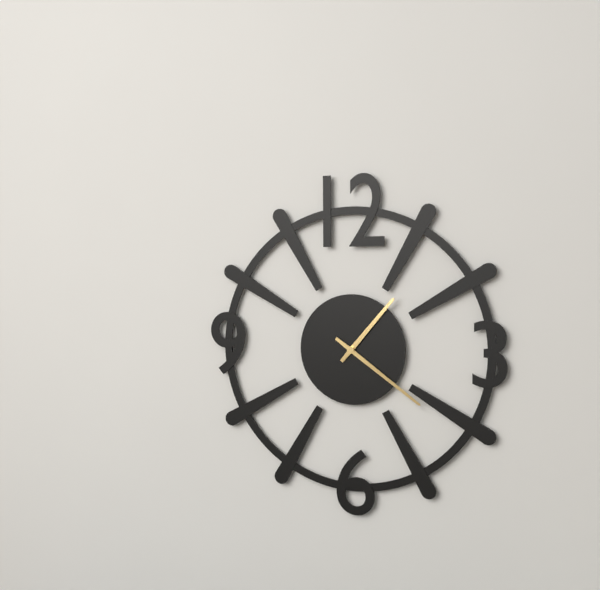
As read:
{"hour": 1, "minute": 21}
